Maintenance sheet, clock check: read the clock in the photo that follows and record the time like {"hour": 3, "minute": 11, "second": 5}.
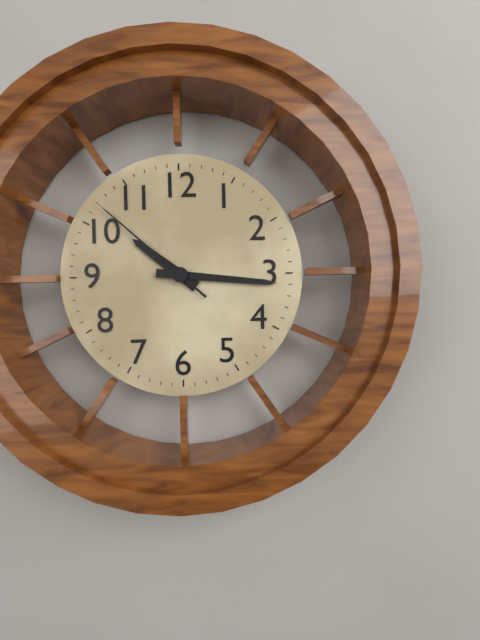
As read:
{"hour": 10, "minute": 16, "second": 52}
